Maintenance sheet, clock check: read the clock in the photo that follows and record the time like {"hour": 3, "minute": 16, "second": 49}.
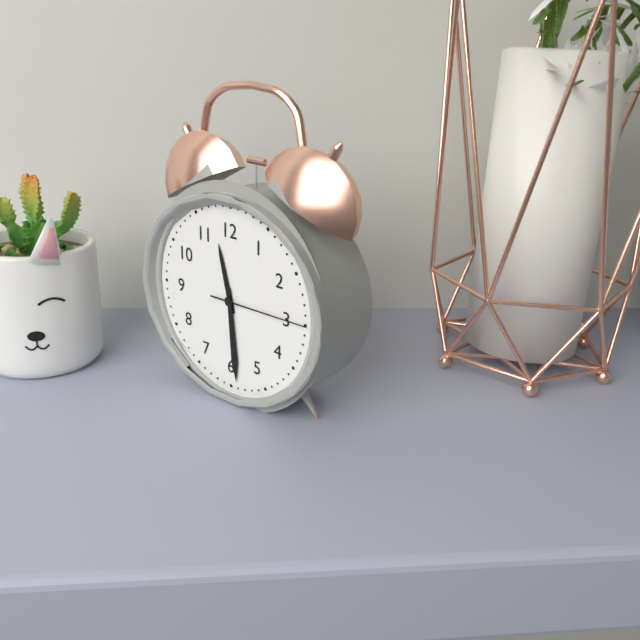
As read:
{"hour": 11, "minute": 29, "second": 15}
